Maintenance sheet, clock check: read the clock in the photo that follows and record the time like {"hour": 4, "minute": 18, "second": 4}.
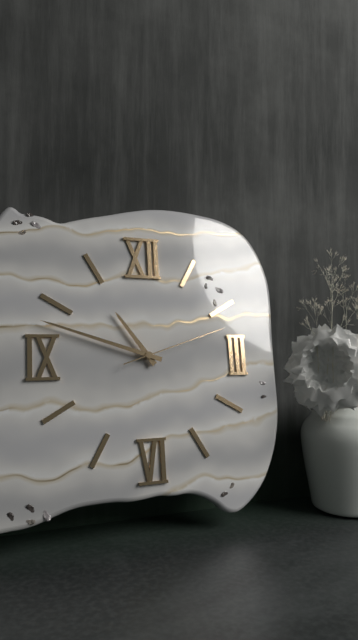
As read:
{"hour": 10, "minute": 48, "second": 12}
